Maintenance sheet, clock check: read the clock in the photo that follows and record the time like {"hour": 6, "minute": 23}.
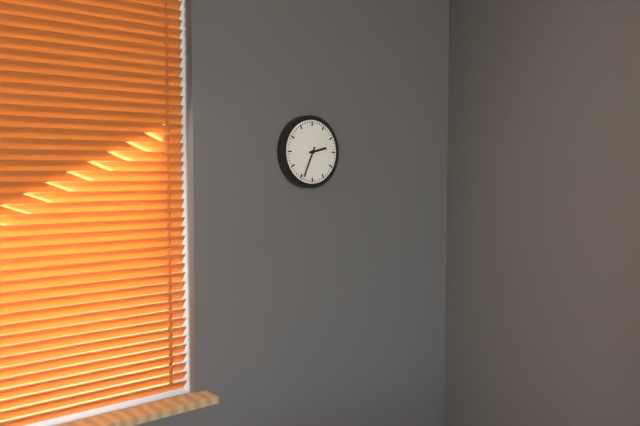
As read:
{"hour": 2, "minute": 34}
